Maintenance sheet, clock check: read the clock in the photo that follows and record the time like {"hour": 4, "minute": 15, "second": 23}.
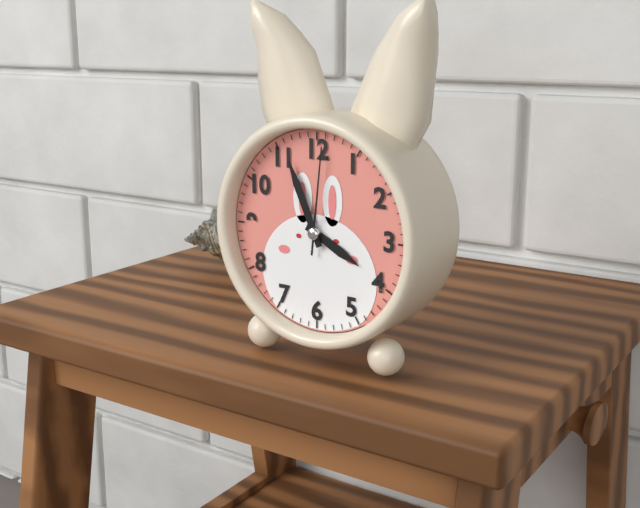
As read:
{"hour": 3, "minute": 56, "second": 1}
